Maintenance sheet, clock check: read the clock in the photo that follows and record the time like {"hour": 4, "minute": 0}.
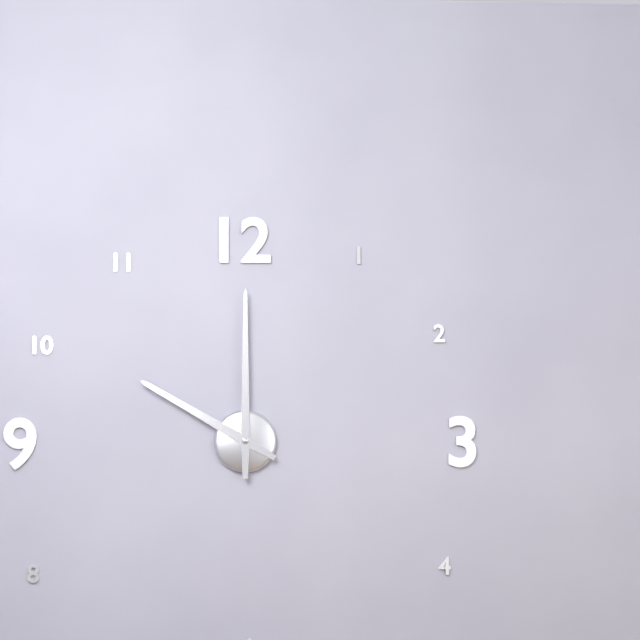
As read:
{"hour": 10, "minute": 0}
